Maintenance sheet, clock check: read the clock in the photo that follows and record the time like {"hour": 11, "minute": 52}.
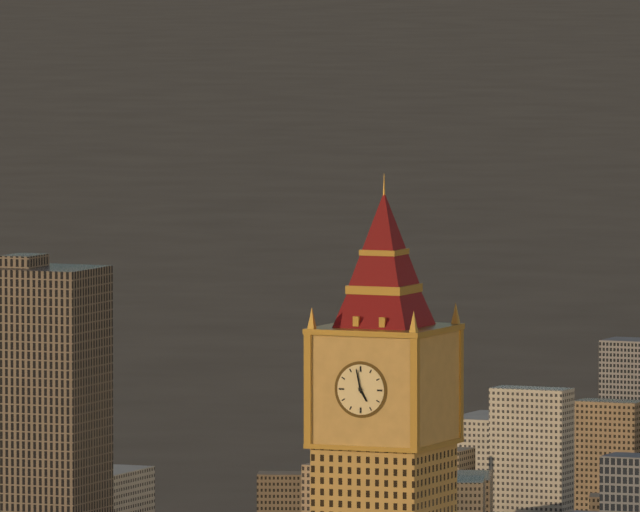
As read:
{"hour": 4, "minute": 58}
